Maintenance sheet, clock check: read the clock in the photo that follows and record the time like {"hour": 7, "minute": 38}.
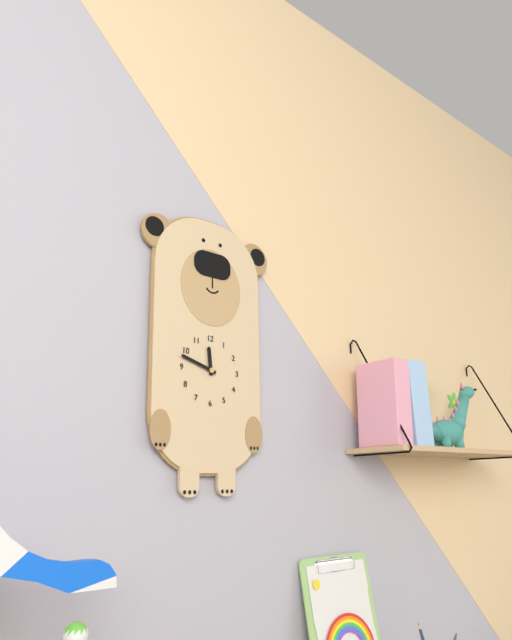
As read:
{"hour": 11, "minute": 48}
